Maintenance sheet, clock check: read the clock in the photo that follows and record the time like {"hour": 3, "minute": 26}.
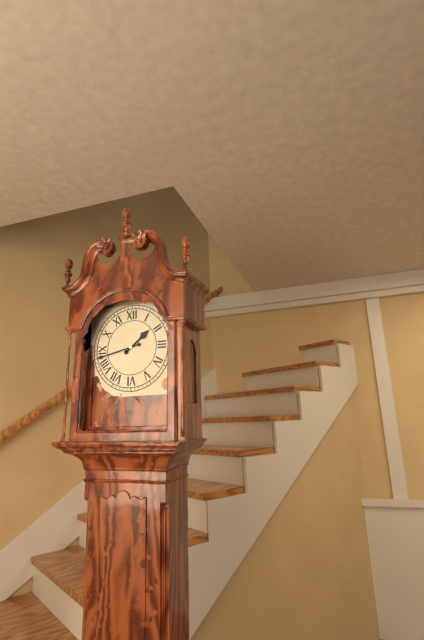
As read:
{"hour": 1, "minute": 43}
